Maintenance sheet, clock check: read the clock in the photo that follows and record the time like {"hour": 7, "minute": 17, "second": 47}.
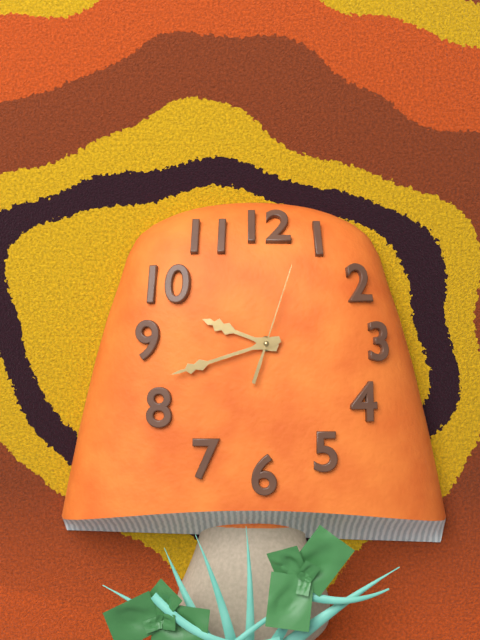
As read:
{"hour": 9, "minute": 42, "second": 3}
